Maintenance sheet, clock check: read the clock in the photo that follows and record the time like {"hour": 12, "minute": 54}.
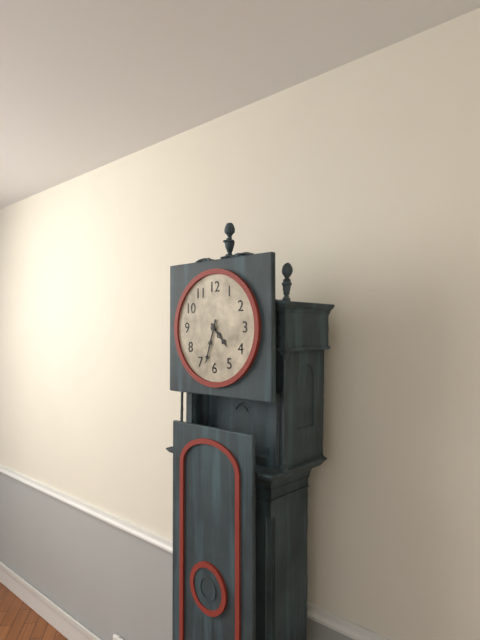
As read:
{"hour": 4, "minute": 33}
